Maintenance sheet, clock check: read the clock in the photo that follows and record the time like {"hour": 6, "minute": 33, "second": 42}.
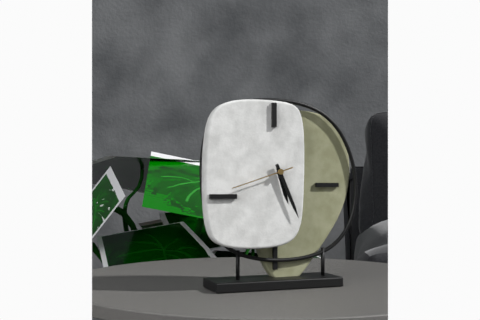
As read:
{"hour": 5, "minute": 26, "second": 42}
